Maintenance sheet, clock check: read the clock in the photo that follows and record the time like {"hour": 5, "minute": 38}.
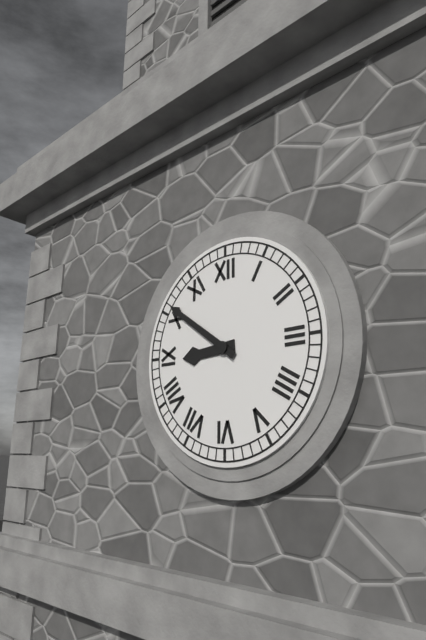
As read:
{"hour": 8, "minute": 51}
